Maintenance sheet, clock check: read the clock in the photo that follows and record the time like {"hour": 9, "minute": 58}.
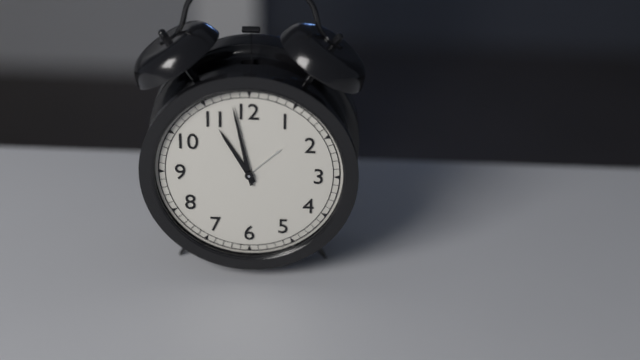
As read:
{"hour": 10, "minute": 58}
